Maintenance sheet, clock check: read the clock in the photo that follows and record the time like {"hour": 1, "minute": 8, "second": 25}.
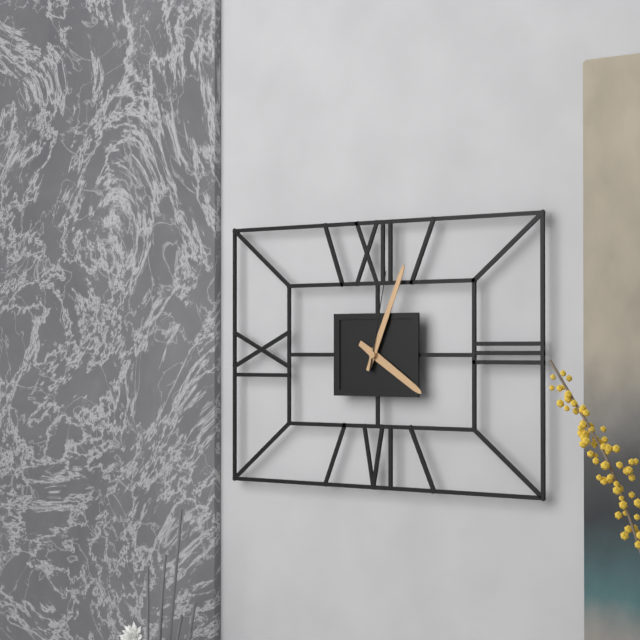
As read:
{"hour": 4, "minute": 4, "second": 2}
